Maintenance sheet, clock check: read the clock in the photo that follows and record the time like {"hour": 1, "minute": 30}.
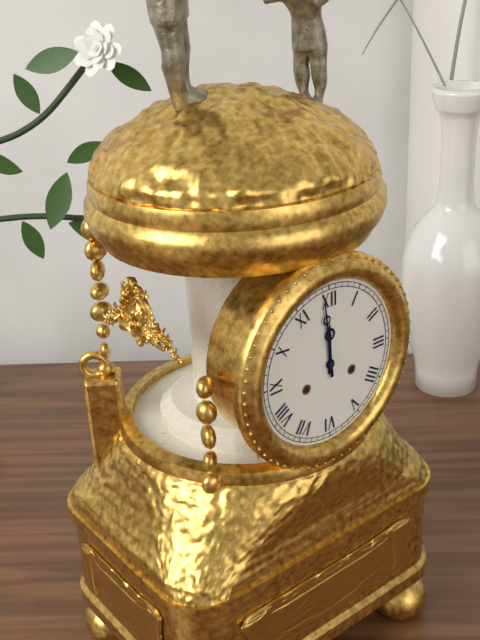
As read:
{"hour": 11, "minute": 59}
